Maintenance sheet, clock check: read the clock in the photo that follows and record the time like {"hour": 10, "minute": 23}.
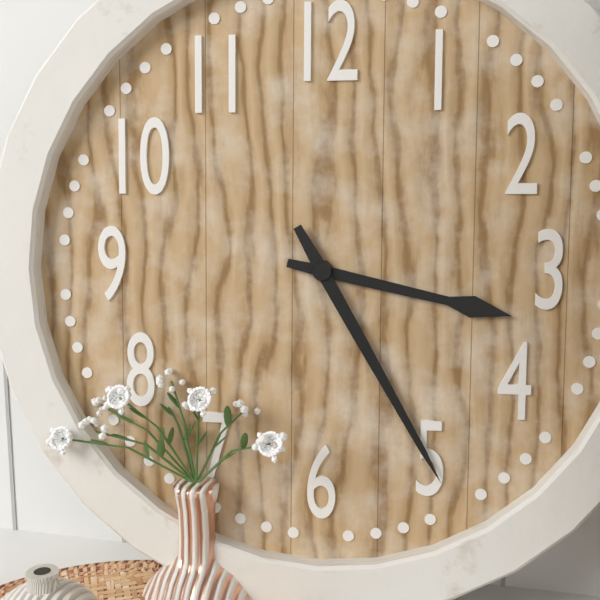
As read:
{"hour": 3, "minute": 25}
